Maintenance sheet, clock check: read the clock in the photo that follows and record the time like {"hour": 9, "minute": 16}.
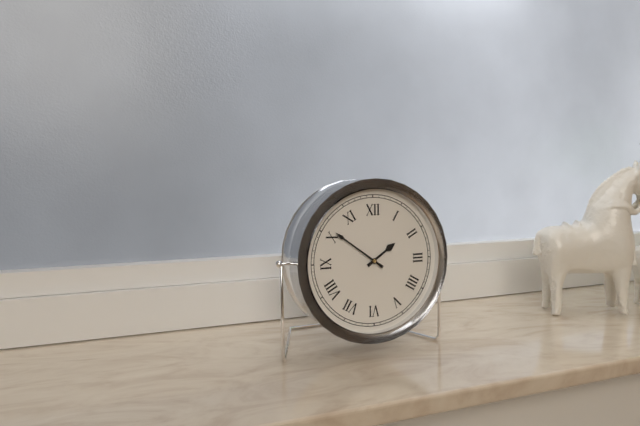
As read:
{"hour": 1, "minute": 51}
